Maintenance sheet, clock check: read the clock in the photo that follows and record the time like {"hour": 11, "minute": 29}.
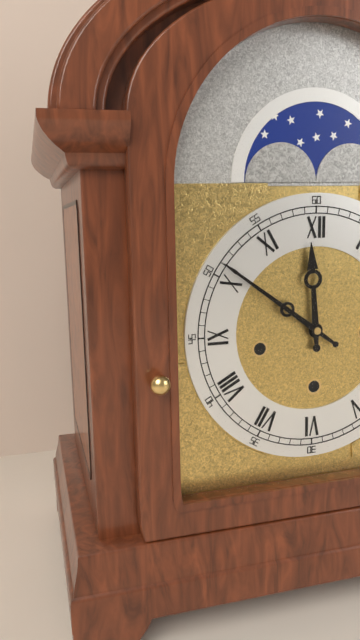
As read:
{"hour": 11, "minute": 51}
